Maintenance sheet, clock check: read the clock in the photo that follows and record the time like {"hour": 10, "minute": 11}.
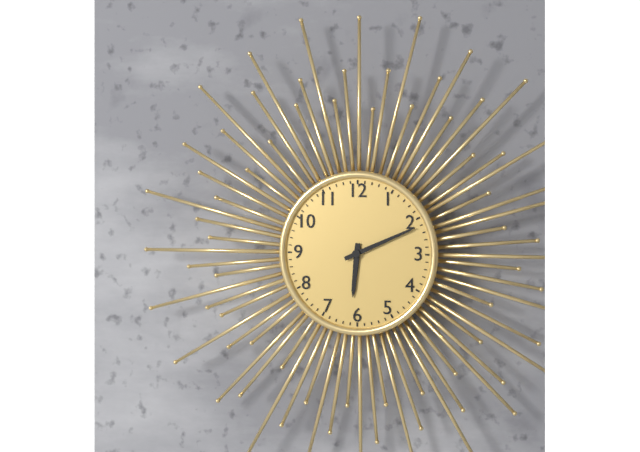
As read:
{"hour": 6, "minute": 11}
